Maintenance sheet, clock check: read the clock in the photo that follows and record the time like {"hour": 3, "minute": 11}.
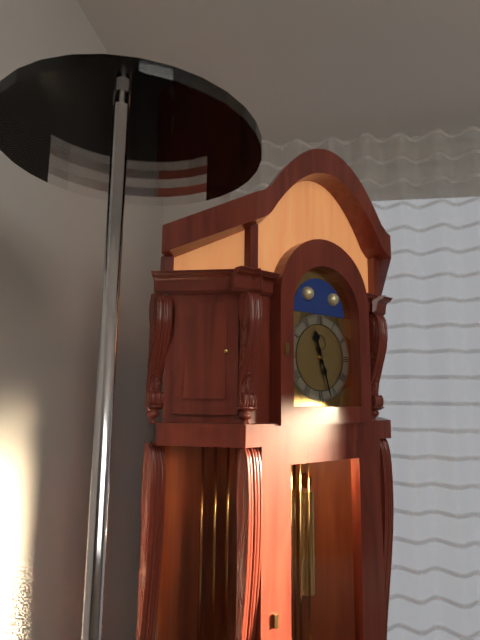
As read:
{"hour": 11, "minute": 27}
